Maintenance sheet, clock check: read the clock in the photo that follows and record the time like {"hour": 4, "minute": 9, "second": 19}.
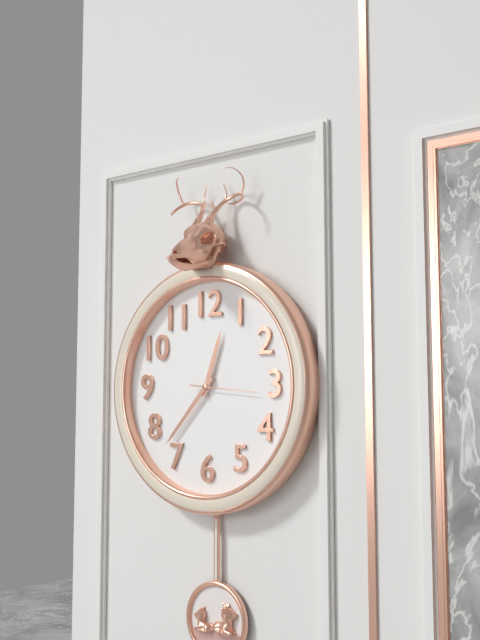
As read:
{"hour": 12, "minute": 37, "second": 16}
